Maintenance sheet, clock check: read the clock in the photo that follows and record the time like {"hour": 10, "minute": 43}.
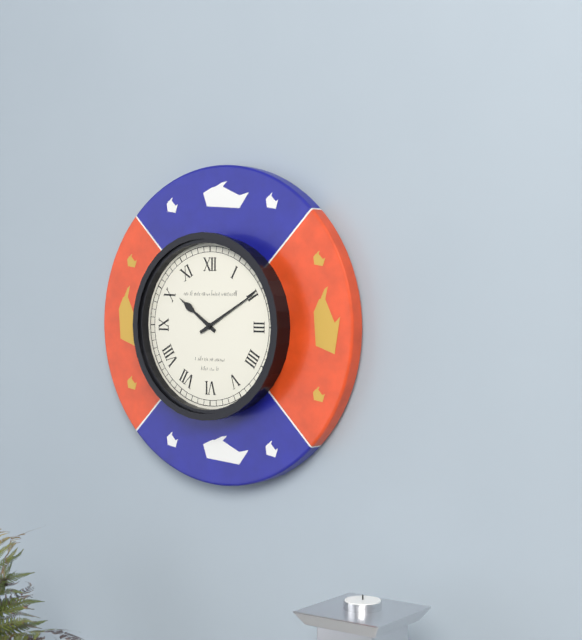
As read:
{"hour": 10, "minute": 10}
